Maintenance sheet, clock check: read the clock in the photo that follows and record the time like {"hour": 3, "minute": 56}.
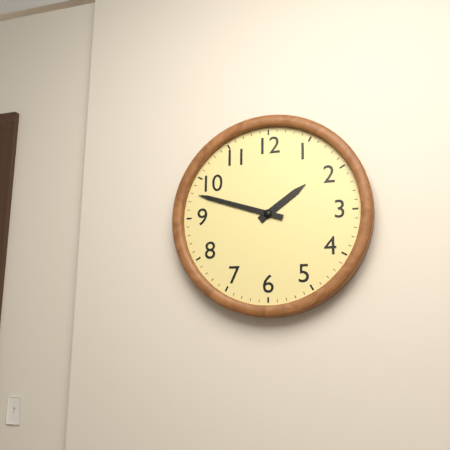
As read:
{"hour": 1, "minute": 48}
